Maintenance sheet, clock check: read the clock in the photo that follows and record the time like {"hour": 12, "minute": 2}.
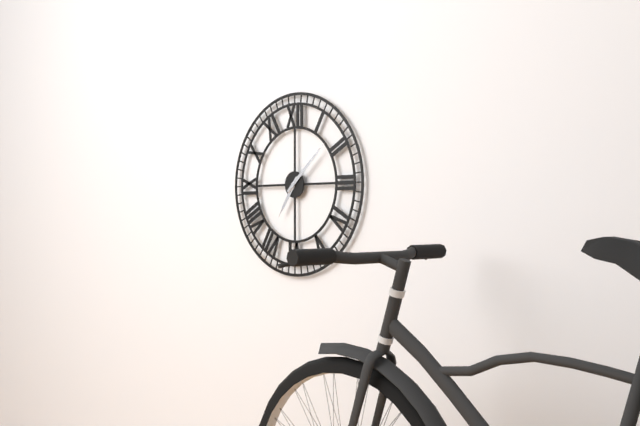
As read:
{"hour": 7, "minute": 8}
